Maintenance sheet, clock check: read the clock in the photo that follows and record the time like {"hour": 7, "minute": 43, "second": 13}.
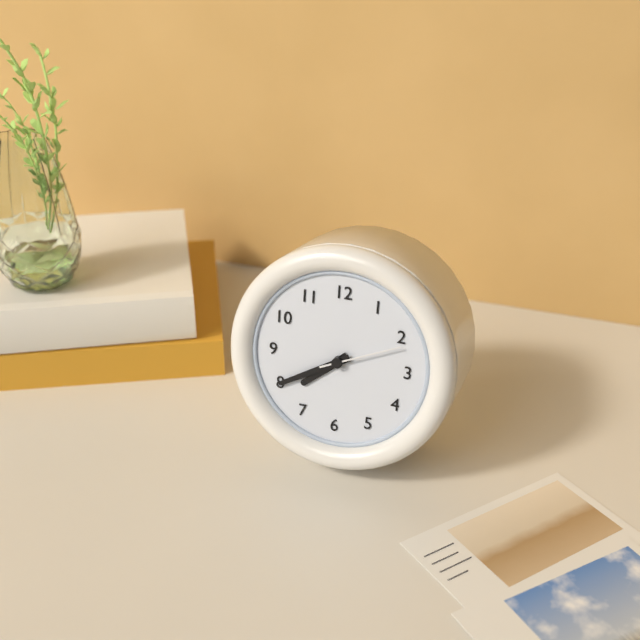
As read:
{"hour": 7, "minute": 40, "second": 11}
